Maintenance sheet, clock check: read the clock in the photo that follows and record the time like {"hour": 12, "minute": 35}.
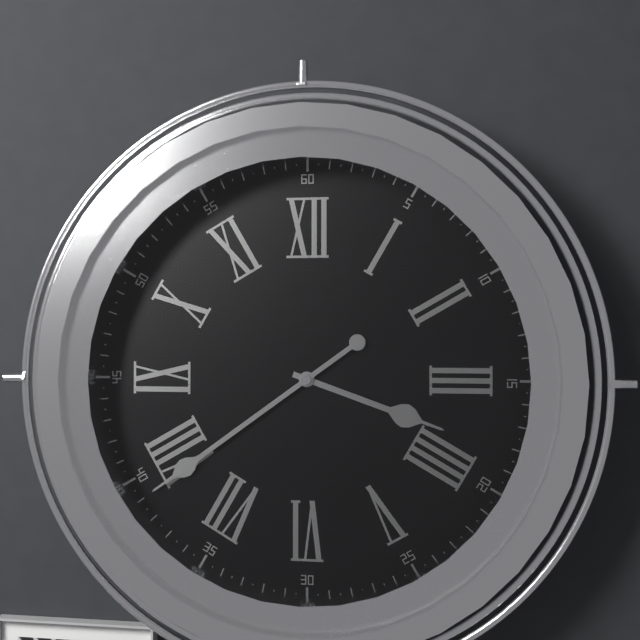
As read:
{"hour": 3, "minute": 39}
